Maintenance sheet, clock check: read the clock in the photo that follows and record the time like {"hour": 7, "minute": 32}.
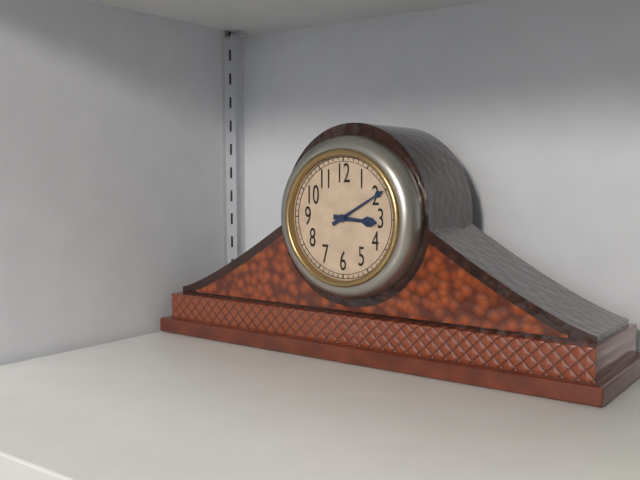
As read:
{"hour": 3, "minute": 10}
